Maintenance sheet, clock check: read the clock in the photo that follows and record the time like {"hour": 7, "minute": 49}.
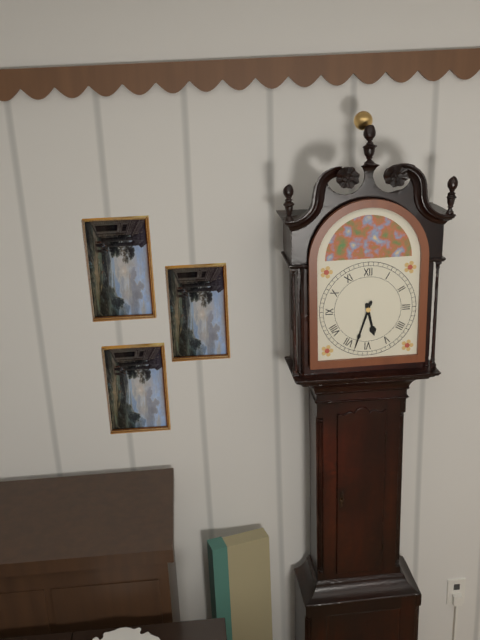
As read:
{"hour": 5, "minute": 33}
